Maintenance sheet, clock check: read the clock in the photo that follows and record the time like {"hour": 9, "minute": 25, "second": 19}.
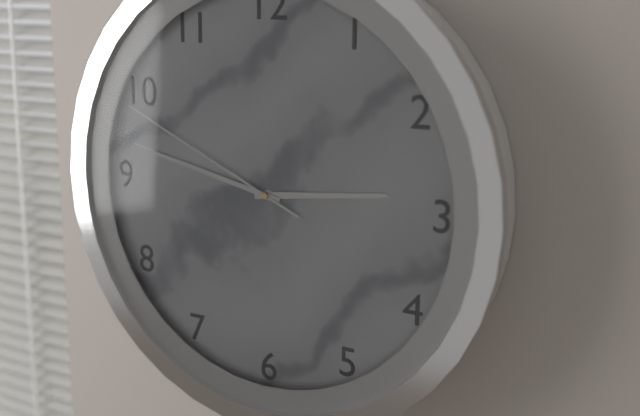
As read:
{"hour": 2, "minute": 47, "second": 49}
